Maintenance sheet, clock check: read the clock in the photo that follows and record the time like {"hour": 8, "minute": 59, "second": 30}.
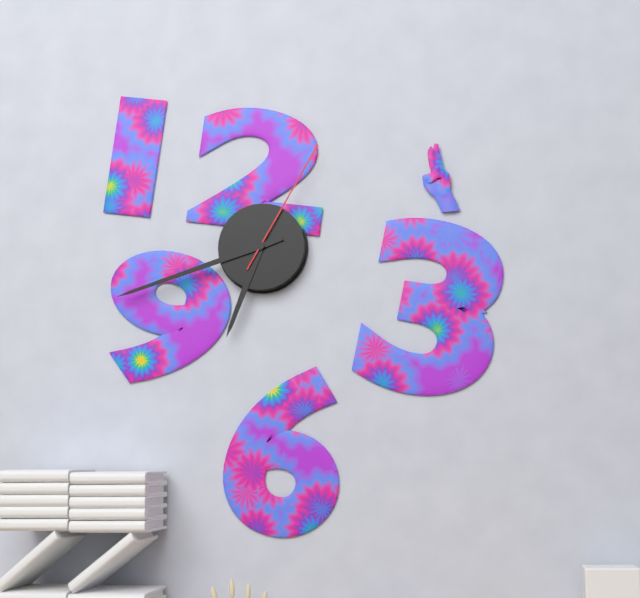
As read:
{"hour": 6, "minute": 42, "second": 5}
